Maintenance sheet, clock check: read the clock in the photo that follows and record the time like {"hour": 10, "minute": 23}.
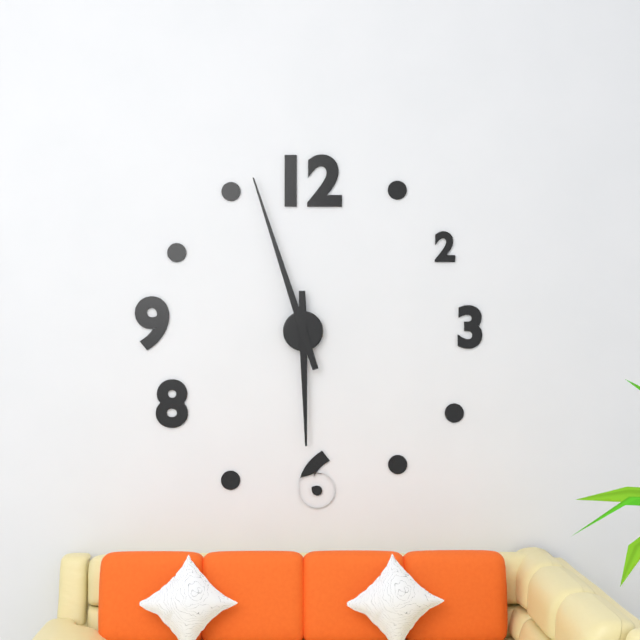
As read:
{"hour": 5, "minute": 57}
